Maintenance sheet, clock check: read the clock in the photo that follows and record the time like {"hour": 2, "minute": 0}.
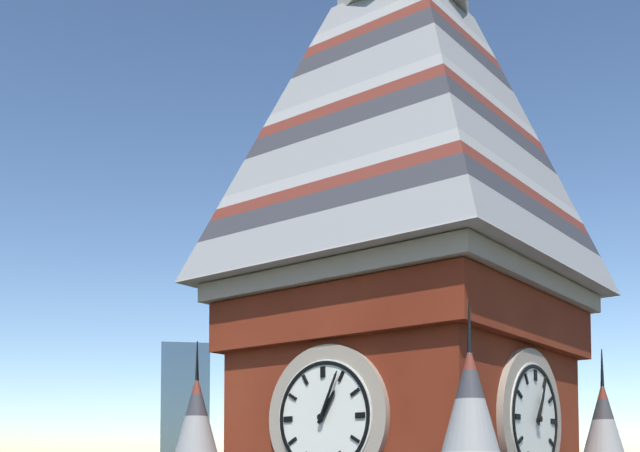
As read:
{"hour": 1, "minute": 4}
